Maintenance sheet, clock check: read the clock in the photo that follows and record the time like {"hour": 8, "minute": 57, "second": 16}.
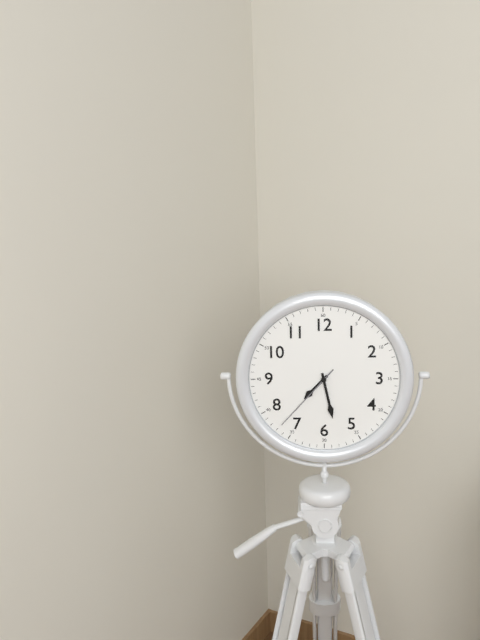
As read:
{"hour": 7, "minute": 28, "second": 37}
